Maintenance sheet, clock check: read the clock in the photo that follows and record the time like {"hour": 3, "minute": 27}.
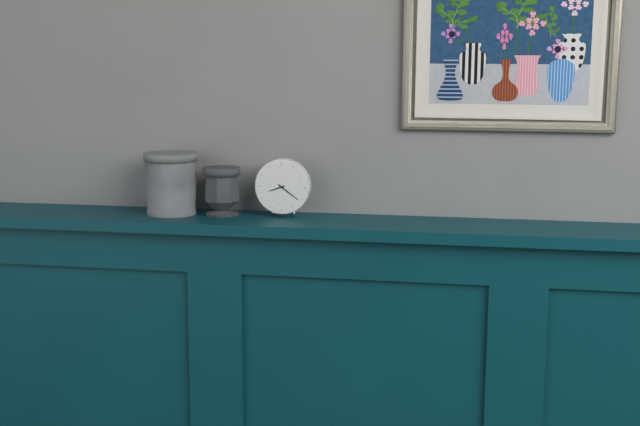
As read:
{"hour": 8, "minute": 21}
